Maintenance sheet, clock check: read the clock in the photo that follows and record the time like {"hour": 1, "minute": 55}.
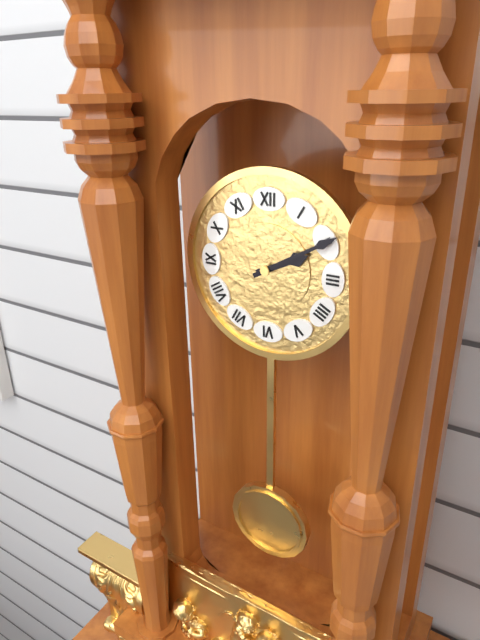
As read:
{"hour": 2, "minute": 10}
